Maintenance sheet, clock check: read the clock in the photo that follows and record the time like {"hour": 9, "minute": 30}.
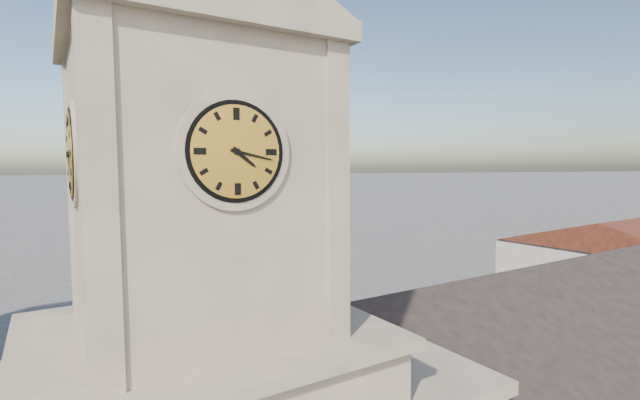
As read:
{"hour": 4, "minute": 17}
